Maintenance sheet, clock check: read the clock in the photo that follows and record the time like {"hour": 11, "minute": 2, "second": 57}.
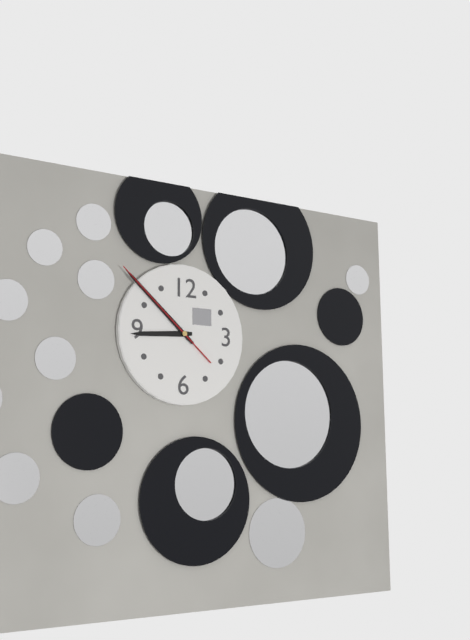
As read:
{"hour": 8, "minute": 52, "second": 52}
